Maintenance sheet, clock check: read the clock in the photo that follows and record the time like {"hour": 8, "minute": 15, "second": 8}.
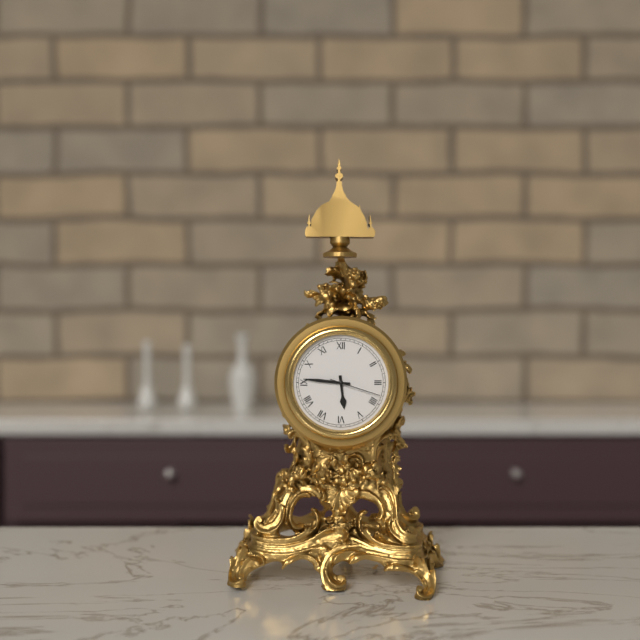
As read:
{"hour": 5, "minute": 46, "second": 18}
